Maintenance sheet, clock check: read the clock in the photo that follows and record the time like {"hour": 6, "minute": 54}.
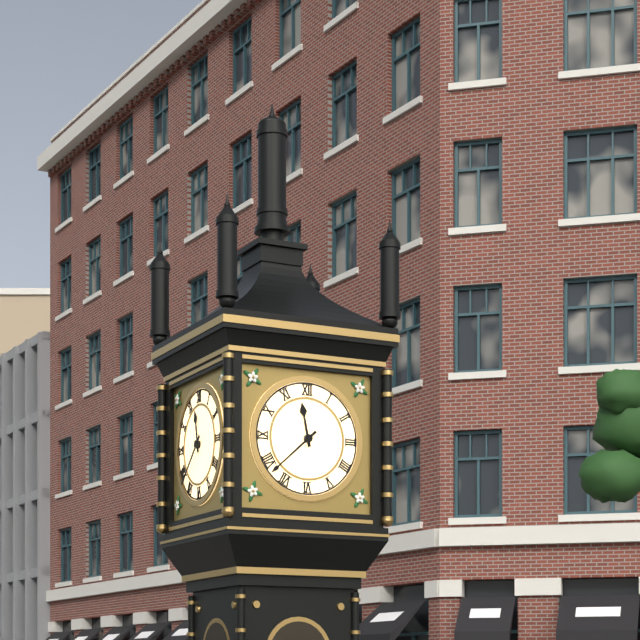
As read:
{"hour": 11, "minute": 38}
